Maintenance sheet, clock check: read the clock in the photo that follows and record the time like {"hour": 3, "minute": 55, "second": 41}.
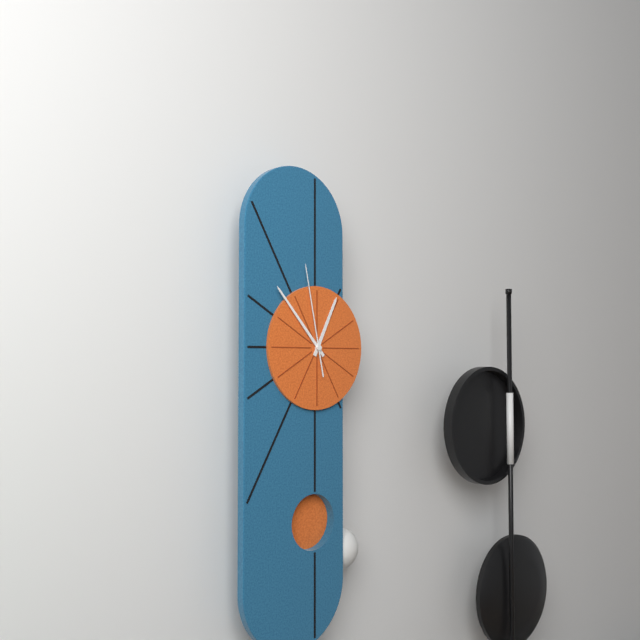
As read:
{"hour": 12, "minute": 53, "second": 58}
